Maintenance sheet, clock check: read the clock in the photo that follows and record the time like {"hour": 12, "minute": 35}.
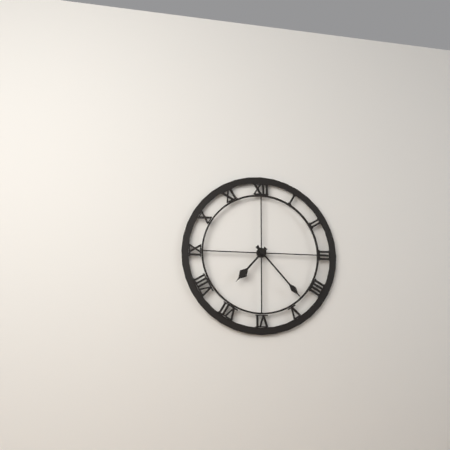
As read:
{"hour": 7, "minute": 23}
